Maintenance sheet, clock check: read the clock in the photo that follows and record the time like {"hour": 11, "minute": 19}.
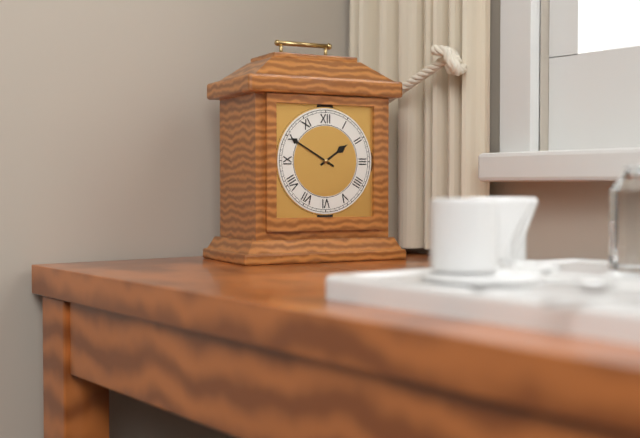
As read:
{"hour": 1, "minute": 50}
